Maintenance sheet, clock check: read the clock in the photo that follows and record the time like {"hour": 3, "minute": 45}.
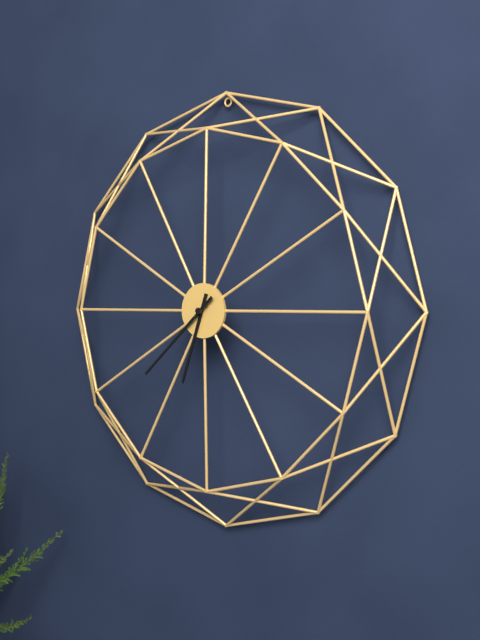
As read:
{"hour": 6, "minute": 38}
